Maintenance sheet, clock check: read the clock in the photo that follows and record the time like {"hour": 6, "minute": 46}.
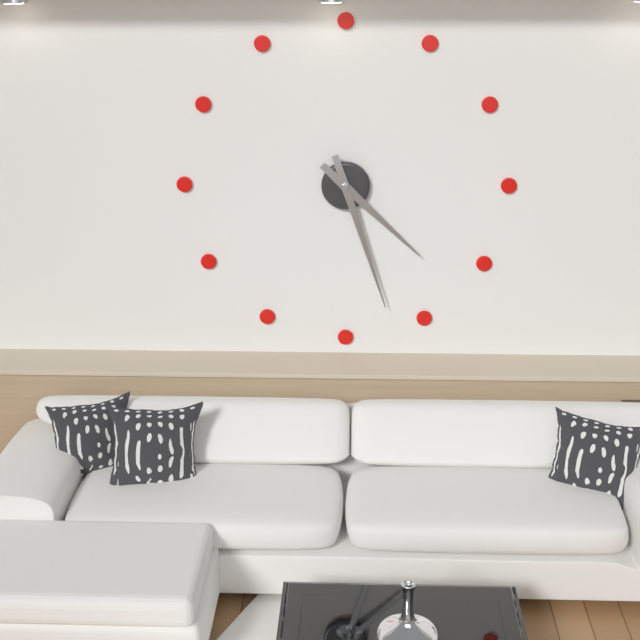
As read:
{"hour": 4, "minute": 27}
